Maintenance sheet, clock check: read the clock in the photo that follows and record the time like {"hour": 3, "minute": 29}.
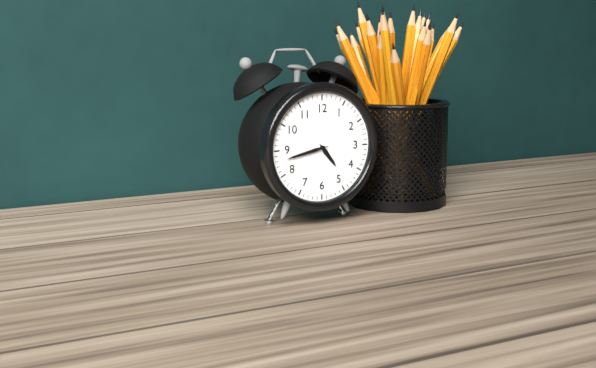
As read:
{"hour": 4, "minute": 43}
